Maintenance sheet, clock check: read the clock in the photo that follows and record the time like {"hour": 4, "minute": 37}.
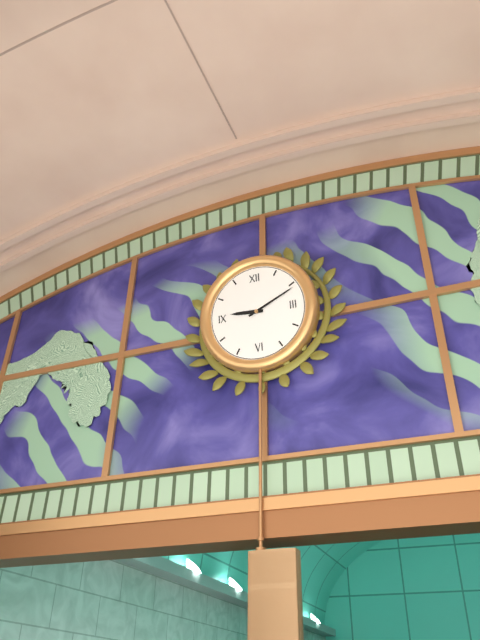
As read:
{"hour": 9, "minute": 11}
